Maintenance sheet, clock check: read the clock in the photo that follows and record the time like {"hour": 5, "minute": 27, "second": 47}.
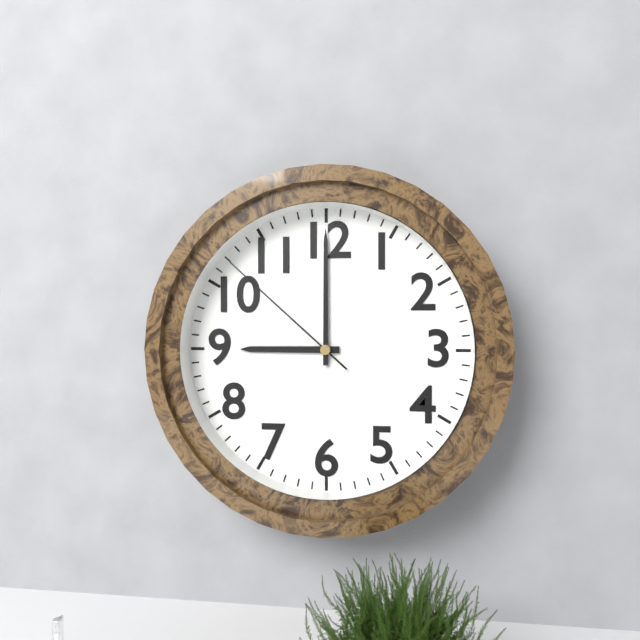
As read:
{"hour": 9, "minute": 0, "second": 52}
